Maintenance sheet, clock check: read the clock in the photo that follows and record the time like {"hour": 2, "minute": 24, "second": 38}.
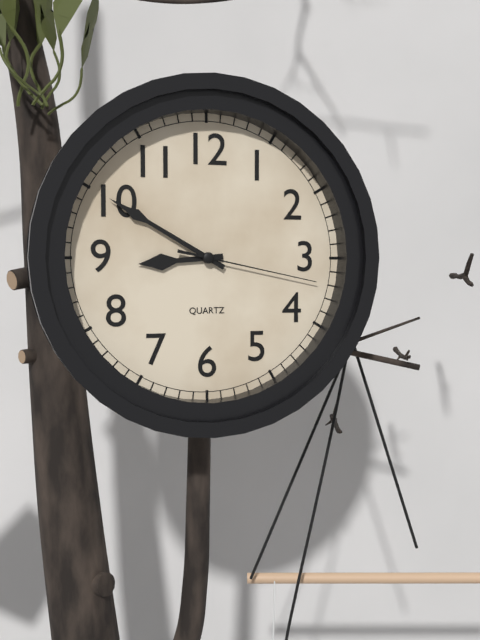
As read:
{"hour": 8, "minute": 50, "second": 17}
